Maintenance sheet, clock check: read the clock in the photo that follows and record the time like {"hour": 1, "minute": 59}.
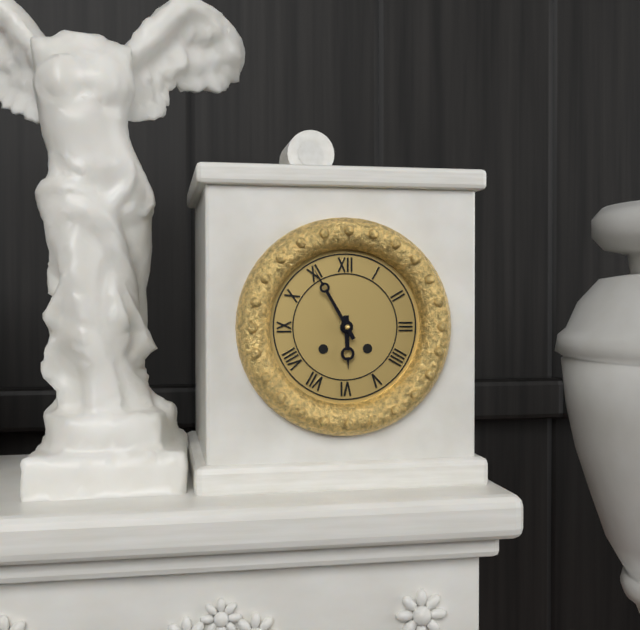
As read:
{"hour": 5, "minute": 55}
